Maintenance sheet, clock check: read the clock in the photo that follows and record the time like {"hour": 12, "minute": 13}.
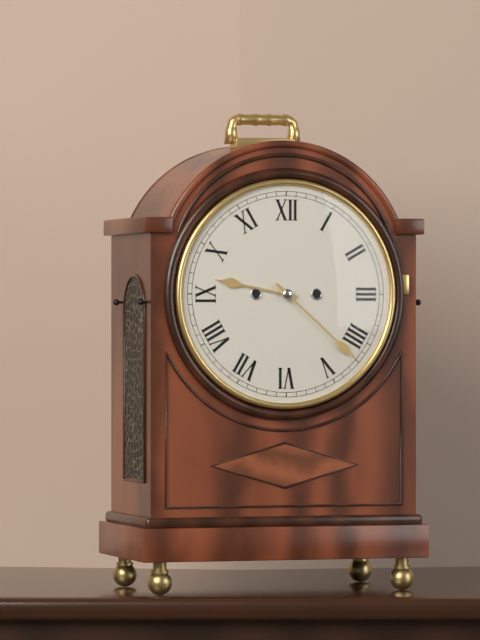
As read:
{"hour": 9, "minute": 22}
